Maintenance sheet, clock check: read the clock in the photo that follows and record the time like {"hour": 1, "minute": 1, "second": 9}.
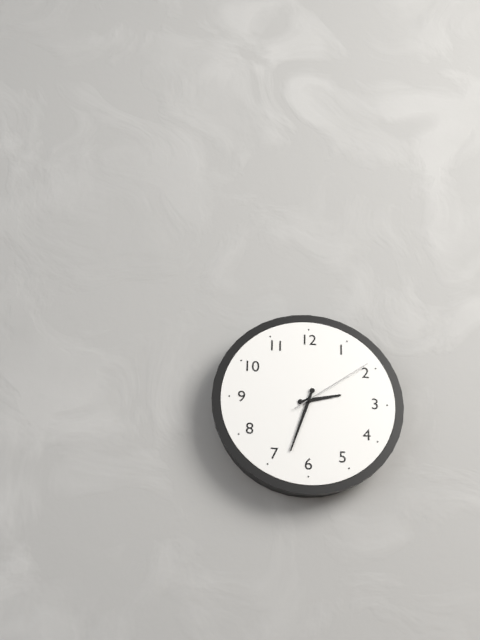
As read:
{"hour": 2, "minute": 33, "second": 9}
